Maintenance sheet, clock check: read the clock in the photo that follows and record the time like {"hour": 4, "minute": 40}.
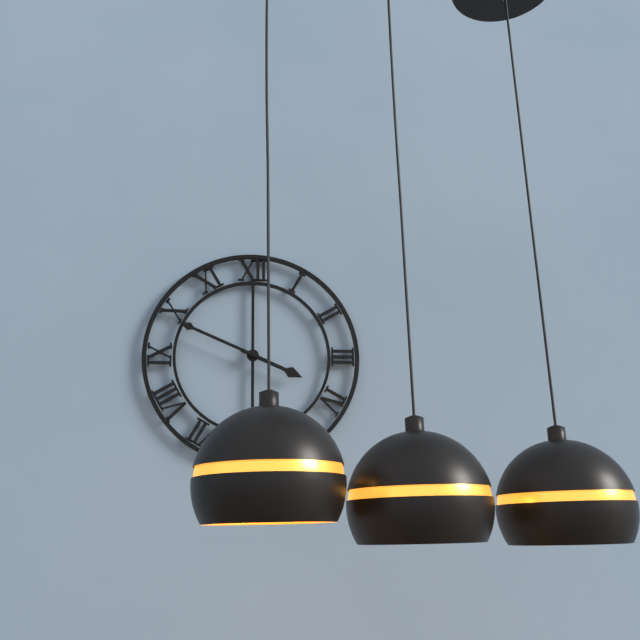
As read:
{"hour": 3, "minute": 49}
